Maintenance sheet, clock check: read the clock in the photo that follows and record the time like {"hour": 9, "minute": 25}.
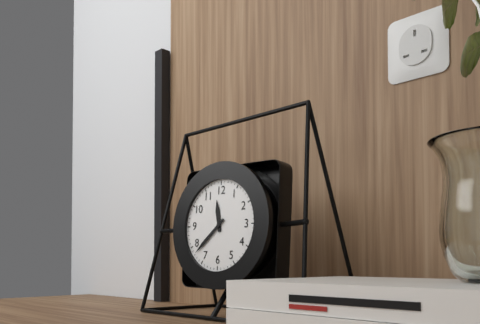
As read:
{"hour": 11, "minute": 38}
